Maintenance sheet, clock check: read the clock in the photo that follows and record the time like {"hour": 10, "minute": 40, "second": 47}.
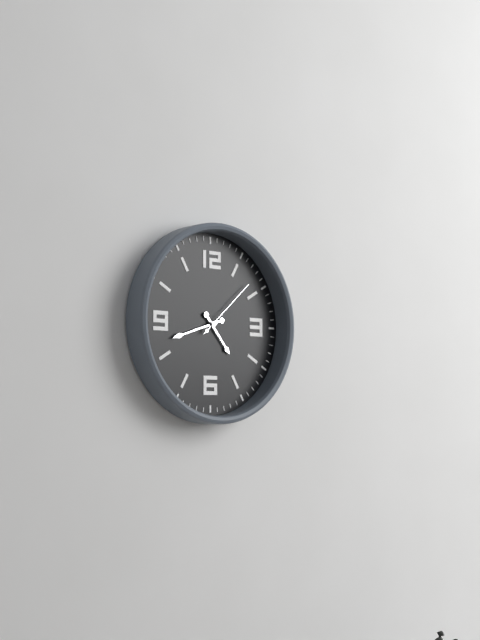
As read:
{"hour": 4, "minute": 42, "second": 8}
